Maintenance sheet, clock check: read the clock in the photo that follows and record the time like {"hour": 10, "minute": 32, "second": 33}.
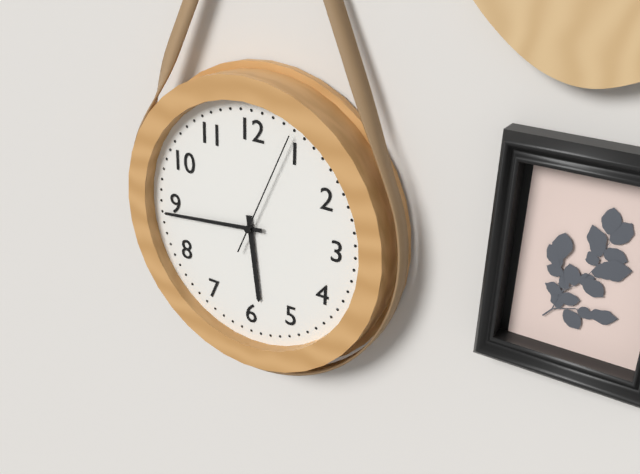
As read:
{"hour": 5, "minute": 44, "second": 4}
